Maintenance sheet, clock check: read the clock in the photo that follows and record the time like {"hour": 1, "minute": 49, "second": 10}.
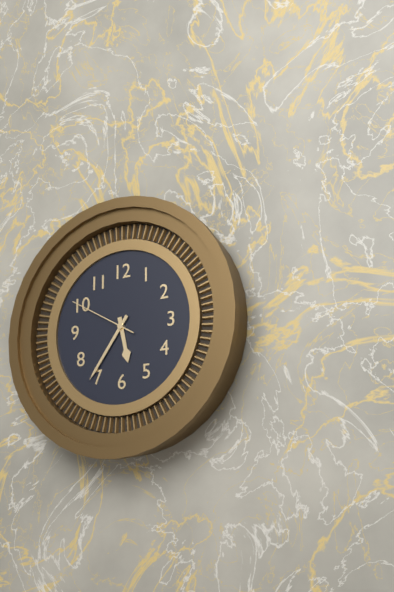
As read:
{"hour": 5, "minute": 36, "second": 50}
